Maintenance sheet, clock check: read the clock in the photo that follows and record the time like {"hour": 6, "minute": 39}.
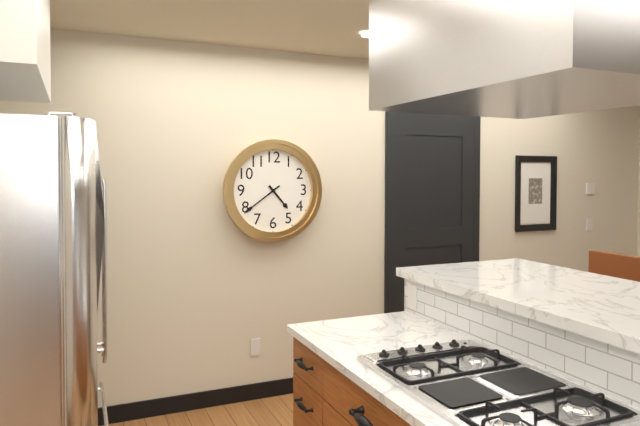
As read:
{"hour": 4, "minute": 39}
